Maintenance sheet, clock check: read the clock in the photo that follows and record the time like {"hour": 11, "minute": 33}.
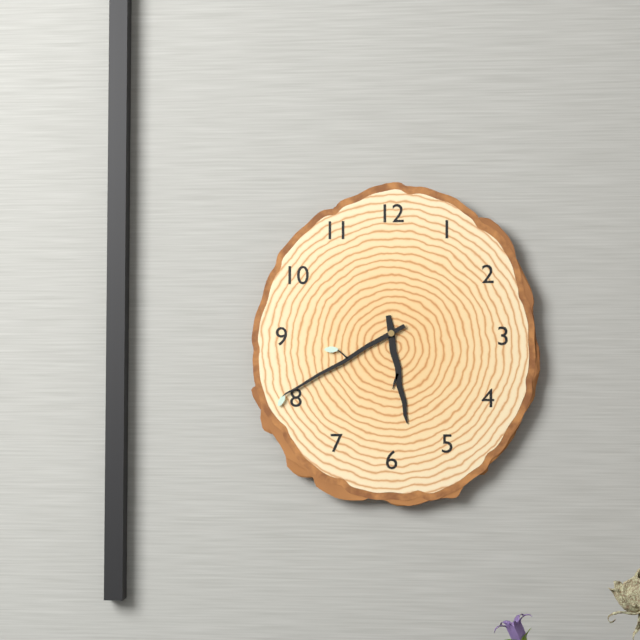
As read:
{"hour": 5, "minute": 40}
